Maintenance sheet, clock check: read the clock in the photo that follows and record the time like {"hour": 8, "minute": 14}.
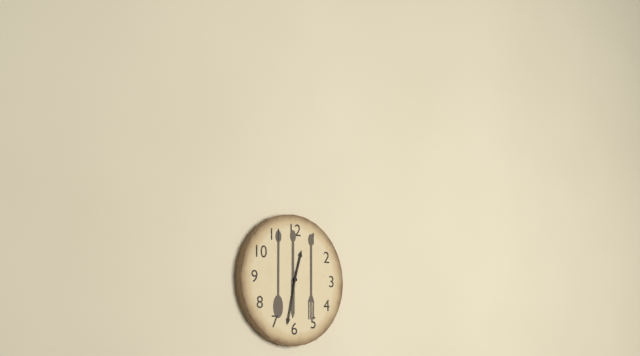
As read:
{"hour": 12, "minute": 32}
